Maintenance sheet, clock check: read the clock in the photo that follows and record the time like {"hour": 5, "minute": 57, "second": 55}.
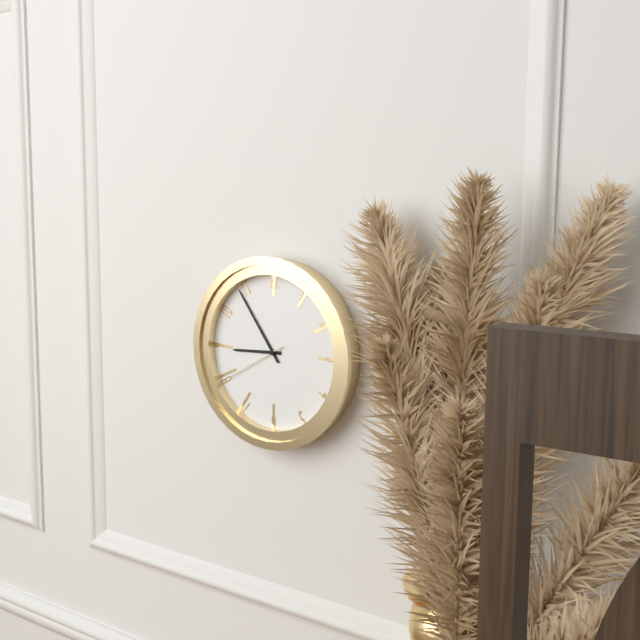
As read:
{"hour": 8, "minute": 54, "second": 40}
